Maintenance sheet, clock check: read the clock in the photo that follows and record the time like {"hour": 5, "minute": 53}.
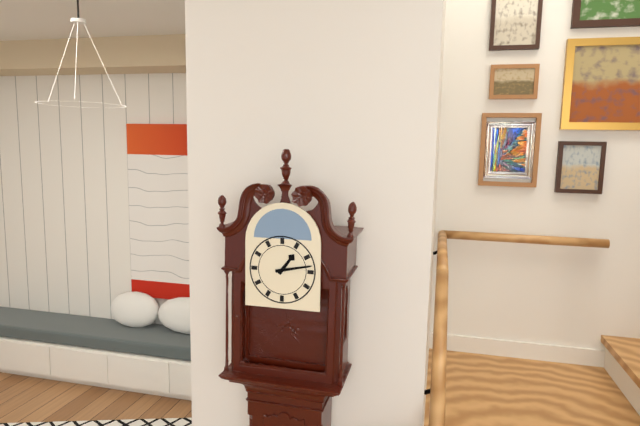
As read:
{"hour": 1, "minute": 13}
